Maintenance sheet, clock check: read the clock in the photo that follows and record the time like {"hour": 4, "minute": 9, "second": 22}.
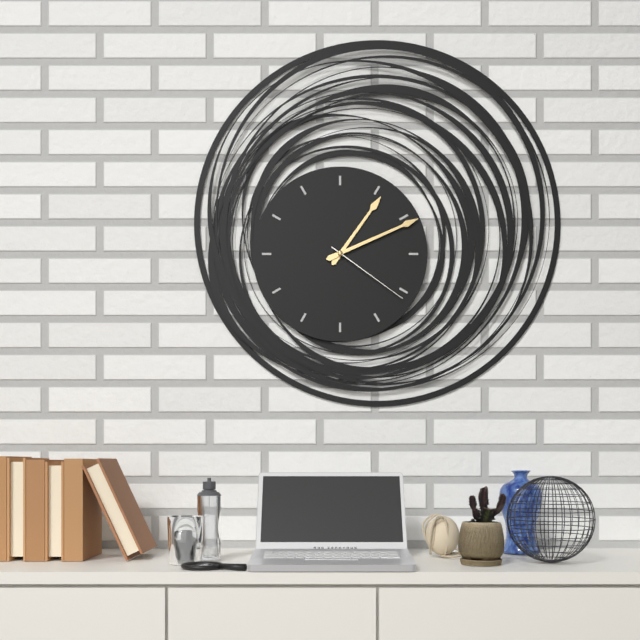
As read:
{"hour": 1, "minute": 11, "second": 21}
